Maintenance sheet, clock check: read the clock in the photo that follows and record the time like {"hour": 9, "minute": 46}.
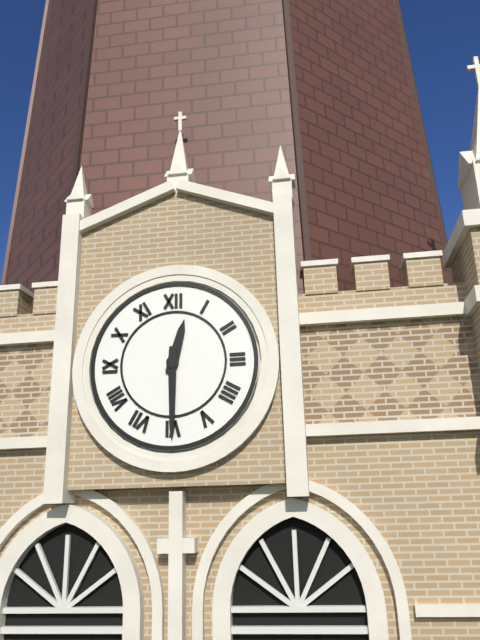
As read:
{"hour": 12, "minute": 30}
